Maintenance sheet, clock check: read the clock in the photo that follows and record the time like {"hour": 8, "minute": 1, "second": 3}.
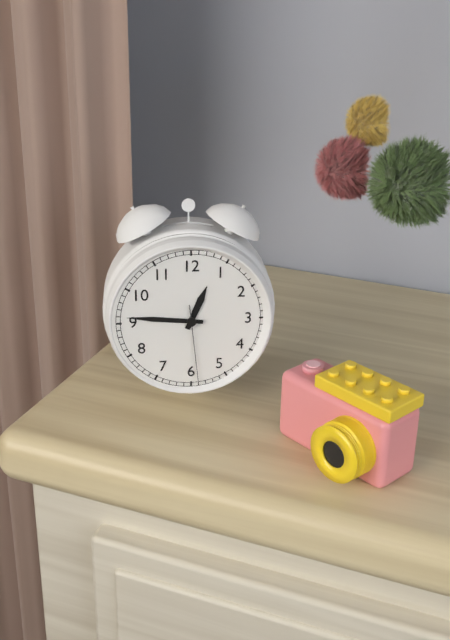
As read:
{"hour": 12, "minute": 46, "second": 29}
